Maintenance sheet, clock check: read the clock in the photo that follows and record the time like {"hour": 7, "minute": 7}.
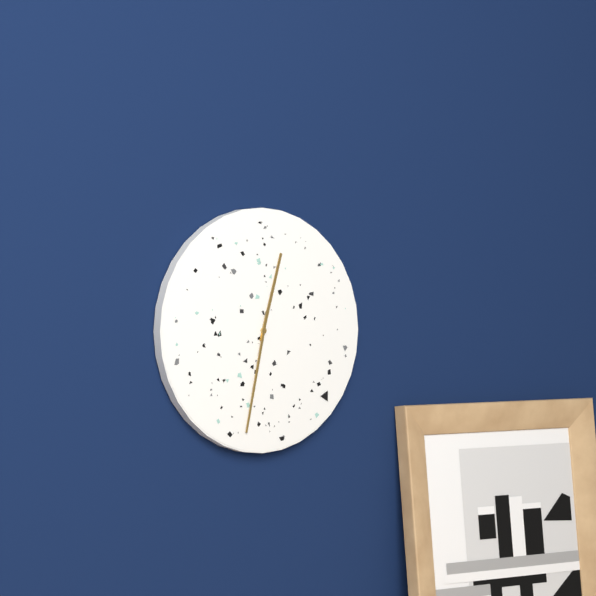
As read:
{"hour": 12, "minute": 32}
